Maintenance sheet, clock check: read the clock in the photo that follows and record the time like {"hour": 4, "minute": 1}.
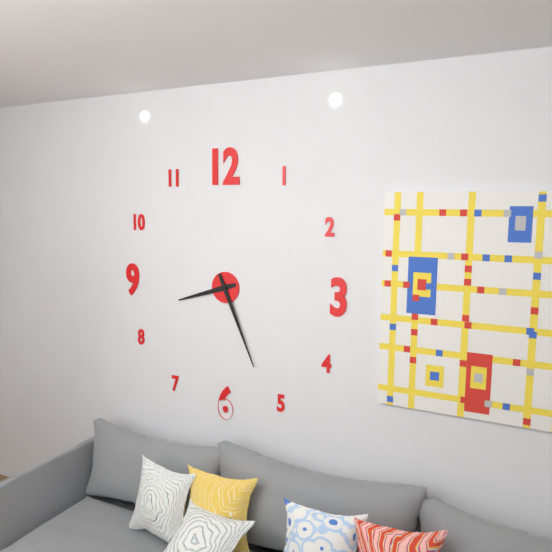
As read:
{"hour": 8, "minute": 26}
